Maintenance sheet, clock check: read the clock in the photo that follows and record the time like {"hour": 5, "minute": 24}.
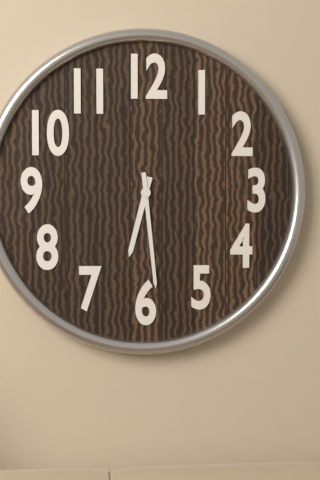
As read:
{"hour": 6, "minute": 29}
